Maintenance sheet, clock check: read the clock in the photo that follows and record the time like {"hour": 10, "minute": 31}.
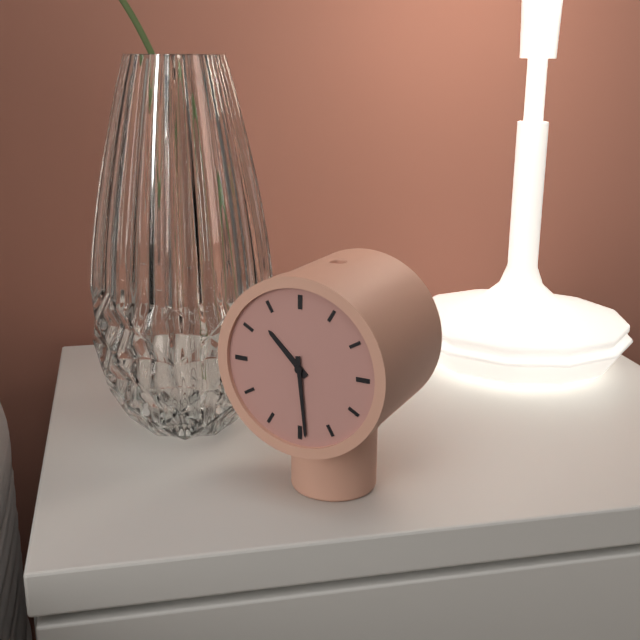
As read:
{"hour": 10, "minute": 29}
